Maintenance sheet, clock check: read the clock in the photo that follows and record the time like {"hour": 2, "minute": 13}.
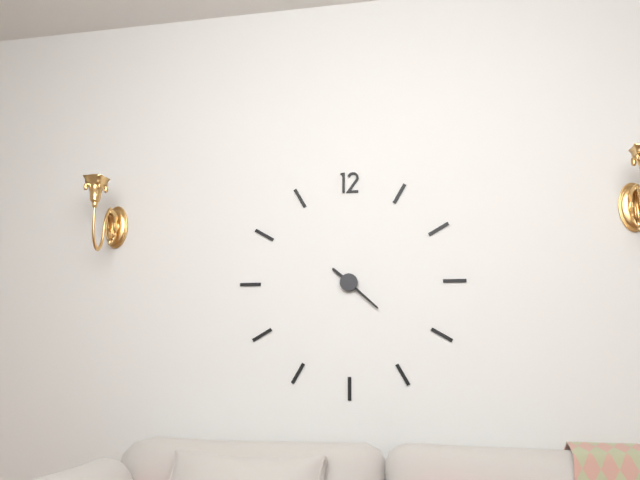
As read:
{"hour": 10, "minute": 22}
